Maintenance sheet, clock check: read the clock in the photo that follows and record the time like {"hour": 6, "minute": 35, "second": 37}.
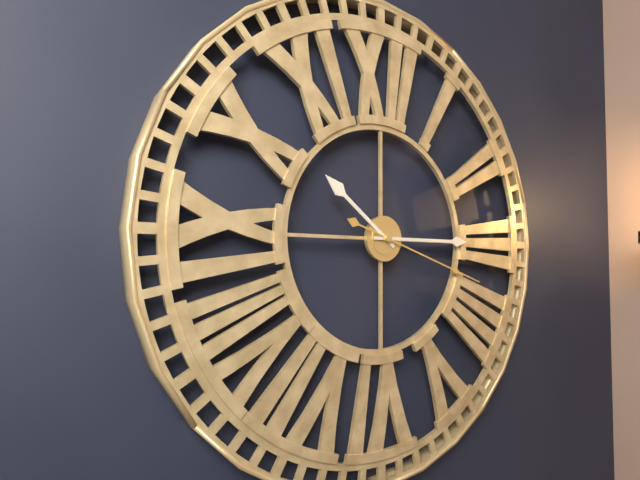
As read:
{"hour": 10, "minute": 15, "second": 18}
